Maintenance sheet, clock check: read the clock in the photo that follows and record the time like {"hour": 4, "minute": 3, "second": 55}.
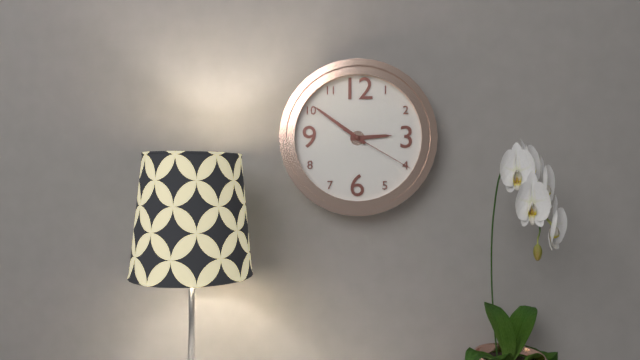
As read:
{"hour": 2, "minute": 51, "second": 20}
